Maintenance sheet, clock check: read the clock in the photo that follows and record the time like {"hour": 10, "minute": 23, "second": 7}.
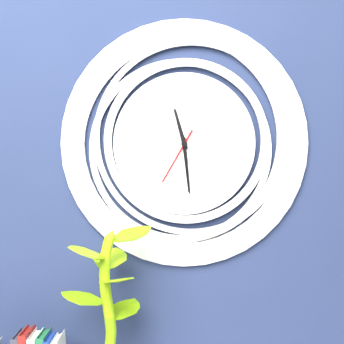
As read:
{"hour": 11, "minute": 29, "second": 35}
